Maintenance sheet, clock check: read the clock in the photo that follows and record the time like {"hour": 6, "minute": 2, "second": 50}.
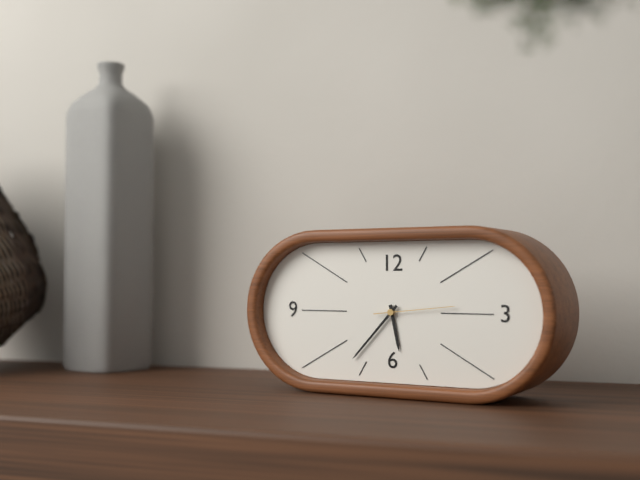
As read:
{"hour": 5, "minute": 37, "second": 14}
